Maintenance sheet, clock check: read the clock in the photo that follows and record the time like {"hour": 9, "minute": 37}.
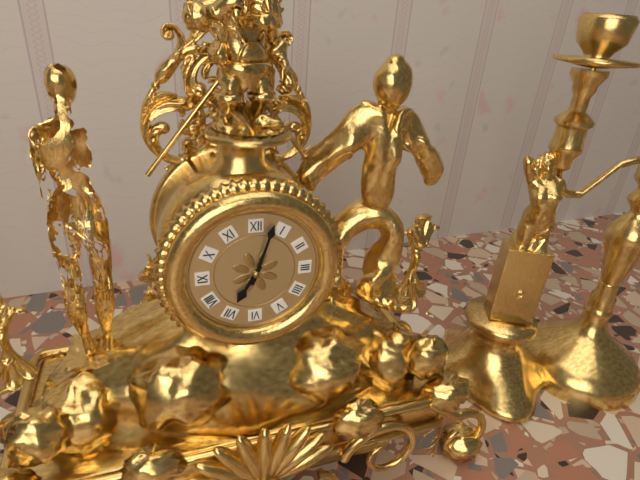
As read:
{"hour": 7, "minute": 3}
